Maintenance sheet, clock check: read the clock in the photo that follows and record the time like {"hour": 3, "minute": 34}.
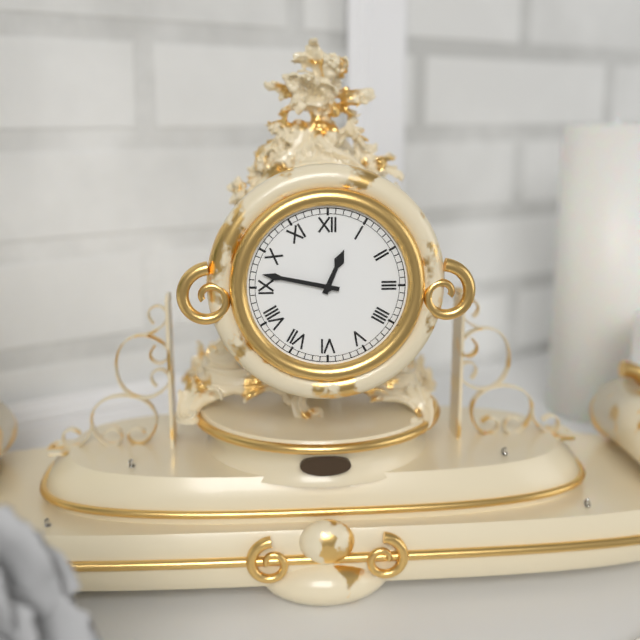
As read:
{"hour": 12, "minute": 47}
